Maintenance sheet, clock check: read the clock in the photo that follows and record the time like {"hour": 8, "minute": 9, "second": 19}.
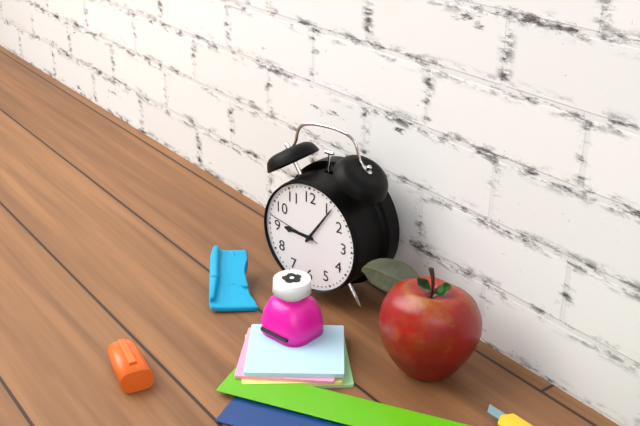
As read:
{"hour": 9, "minute": 6, "second": 47}
